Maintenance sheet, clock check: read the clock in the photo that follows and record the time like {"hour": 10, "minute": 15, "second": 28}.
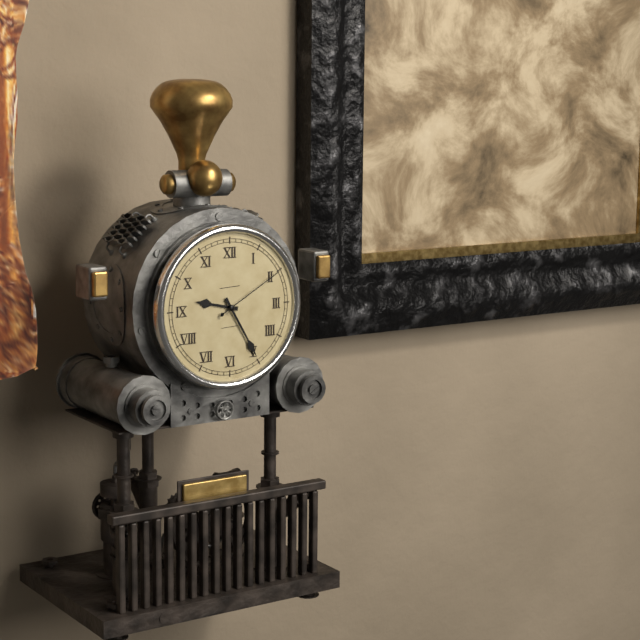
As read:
{"hour": 9, "minute": 25, "second": 10}
